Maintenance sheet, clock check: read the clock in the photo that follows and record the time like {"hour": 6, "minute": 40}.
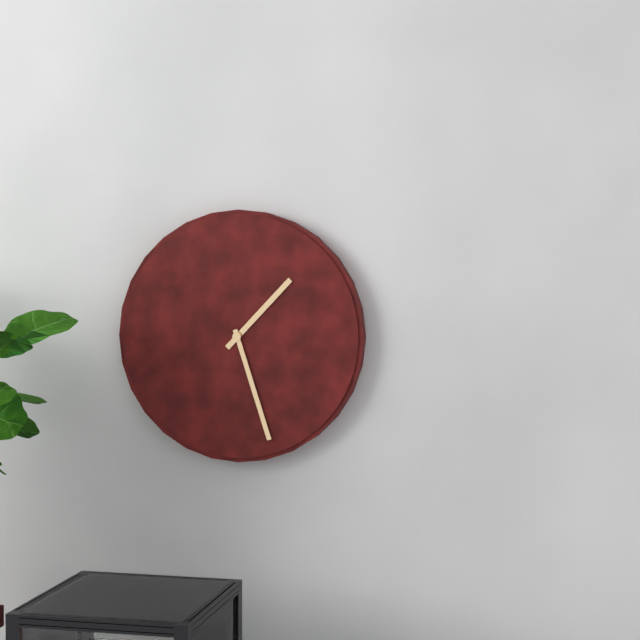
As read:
{"hour": 1, "minute": 27}
